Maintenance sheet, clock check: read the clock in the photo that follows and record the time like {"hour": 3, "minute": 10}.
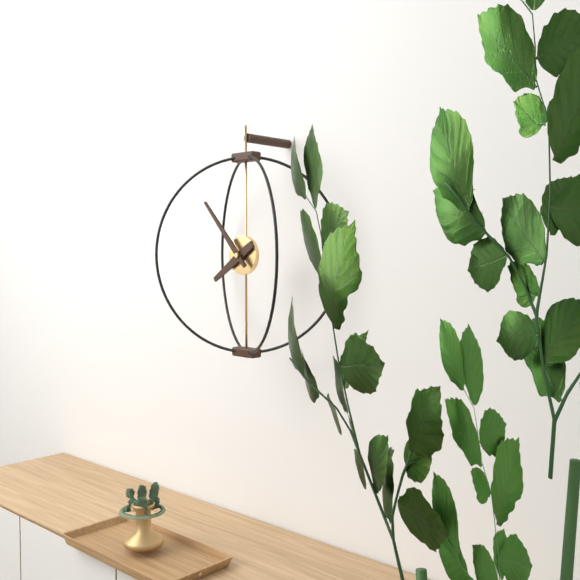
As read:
{"hour": 7, "minute": 53}
